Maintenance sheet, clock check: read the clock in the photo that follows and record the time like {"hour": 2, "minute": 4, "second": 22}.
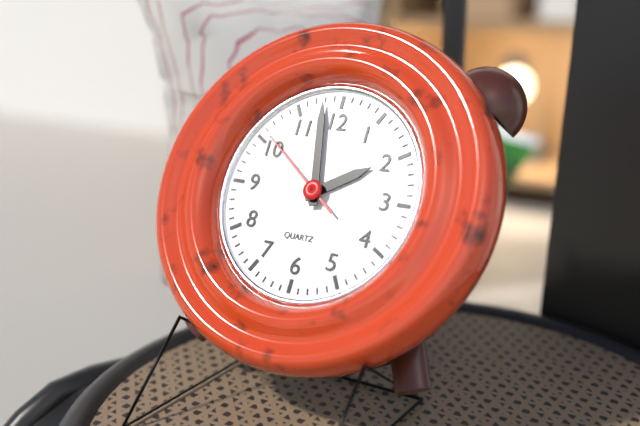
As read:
{"hour": 1, "minute": 58, "second": 51}
